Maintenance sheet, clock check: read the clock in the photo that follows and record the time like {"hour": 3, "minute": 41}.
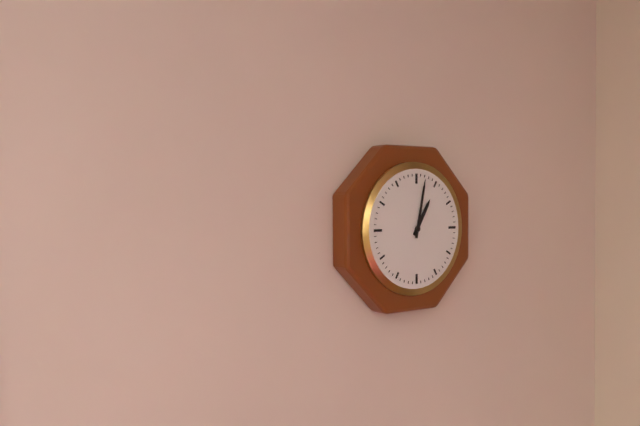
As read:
{"hour": 1, "minute": 2}
